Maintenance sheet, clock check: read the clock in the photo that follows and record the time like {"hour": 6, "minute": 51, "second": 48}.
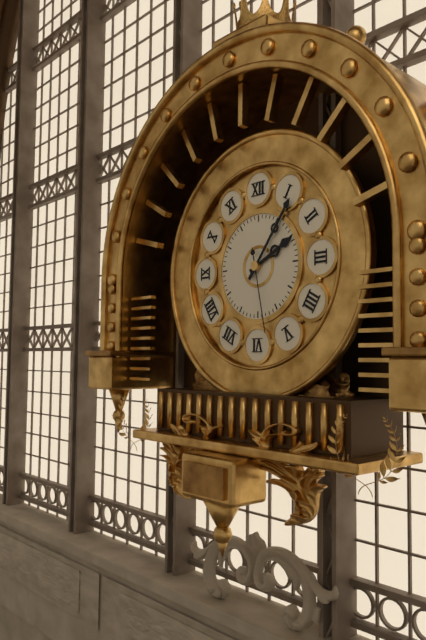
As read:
{"hour": 2, "minute": 6, "second": 28}
